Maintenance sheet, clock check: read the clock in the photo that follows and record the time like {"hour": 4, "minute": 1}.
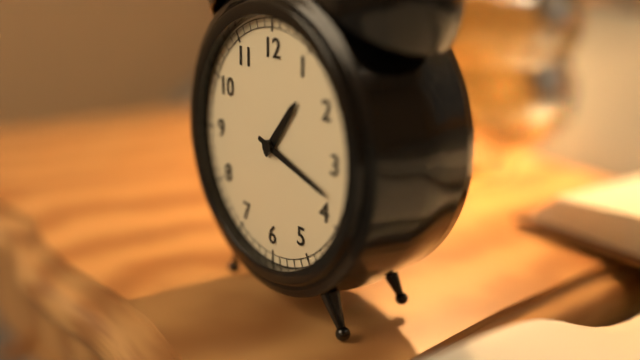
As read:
{"hour": 1, "minute": 18}
